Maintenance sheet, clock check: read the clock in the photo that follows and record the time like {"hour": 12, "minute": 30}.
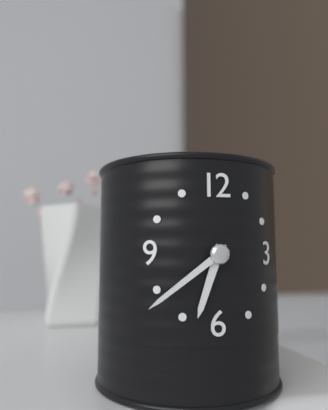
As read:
{"hour": 6, "minute": 39}
